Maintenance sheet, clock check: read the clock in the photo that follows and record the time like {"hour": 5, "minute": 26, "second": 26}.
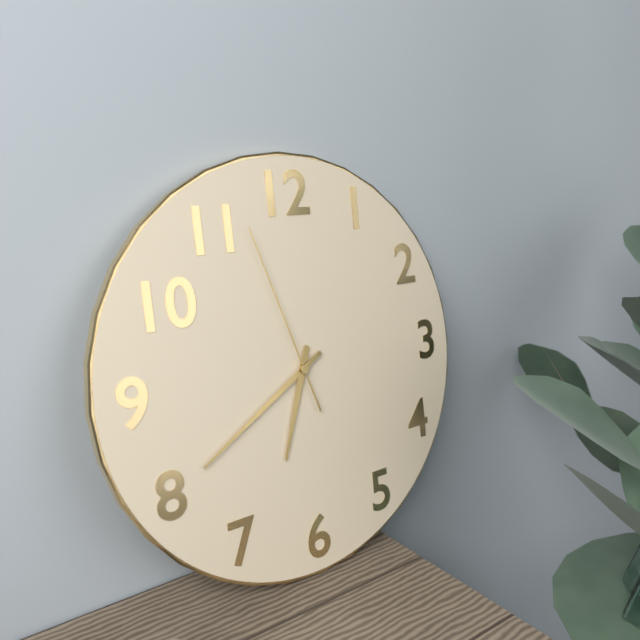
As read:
{"hour": 6, "minute": 40, "second": 57}
